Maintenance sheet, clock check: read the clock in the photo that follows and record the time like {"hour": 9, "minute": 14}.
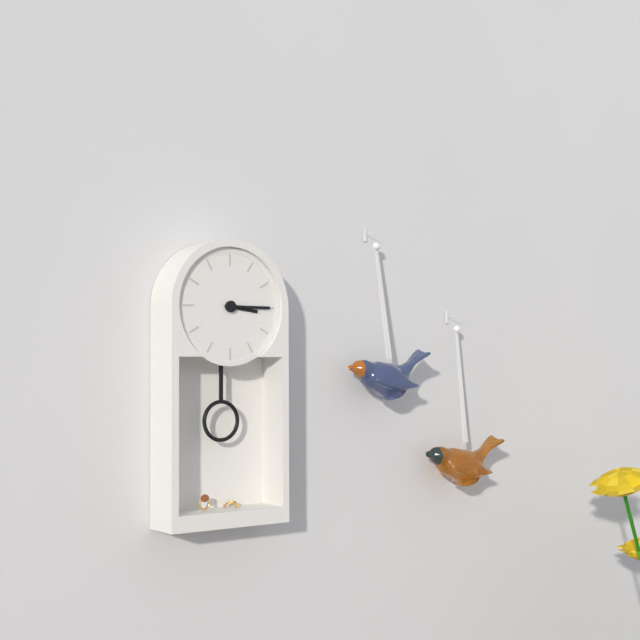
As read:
{"hour": 3, "minute": 15}
